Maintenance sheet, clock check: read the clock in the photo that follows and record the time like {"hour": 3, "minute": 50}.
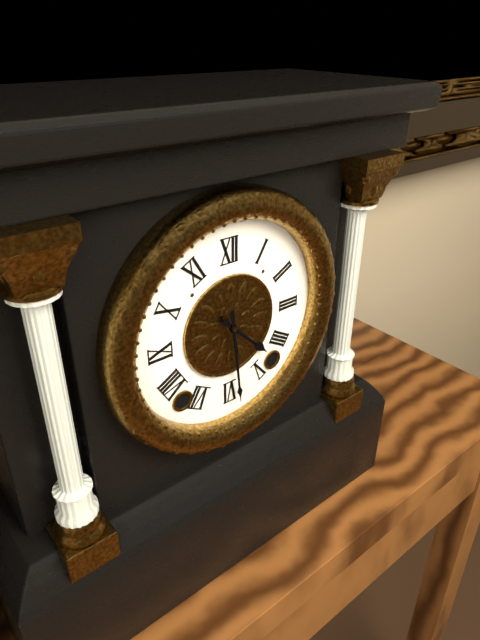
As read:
{"hour": 4, "minute": 29}
